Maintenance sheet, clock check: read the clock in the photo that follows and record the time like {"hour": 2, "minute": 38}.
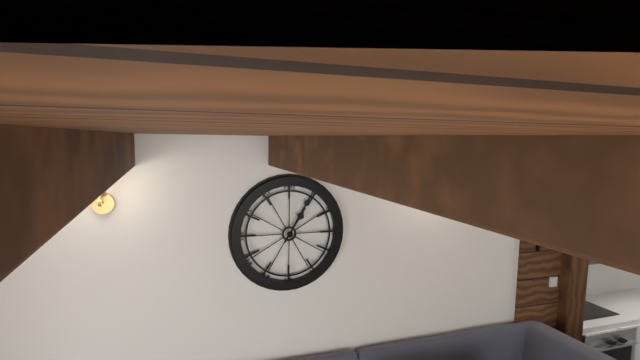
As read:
{"hour": 1, "minute": 5}
